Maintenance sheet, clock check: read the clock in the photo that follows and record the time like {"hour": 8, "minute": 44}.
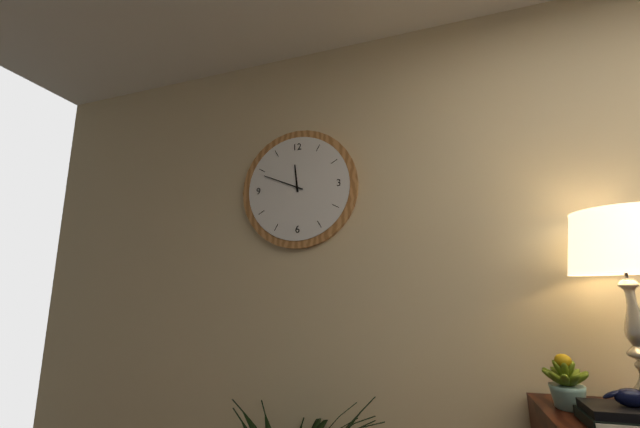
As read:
{"hour": 11, "minute": 49}
